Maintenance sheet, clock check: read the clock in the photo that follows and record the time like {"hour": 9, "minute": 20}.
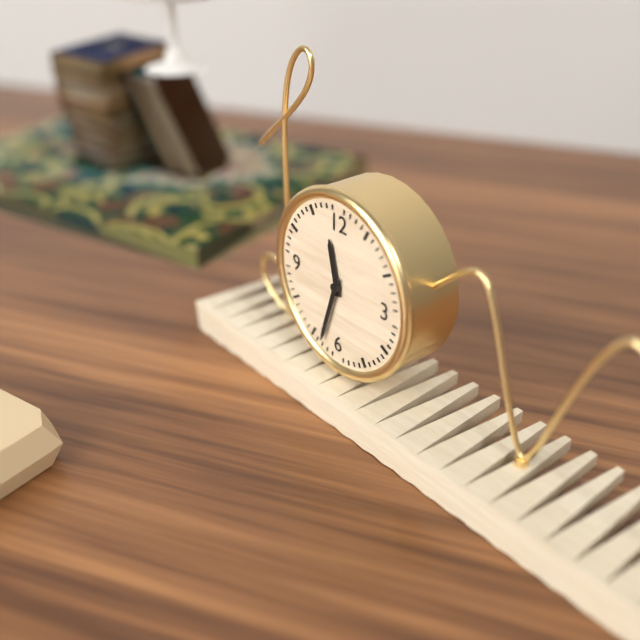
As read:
{"hour": 11, "minute": 33}
